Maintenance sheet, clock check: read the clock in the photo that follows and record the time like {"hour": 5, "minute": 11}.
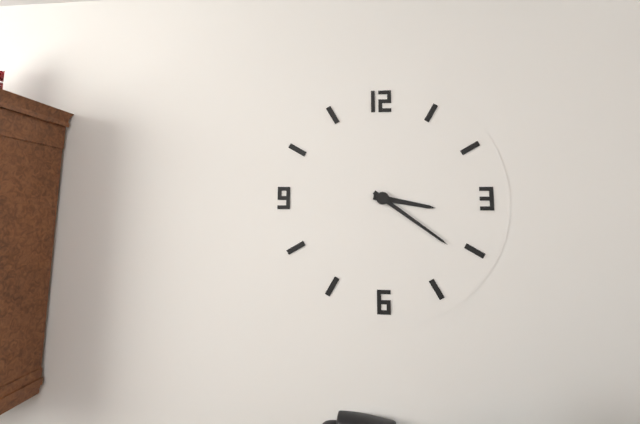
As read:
{"hour": 3, "minute": 21}
